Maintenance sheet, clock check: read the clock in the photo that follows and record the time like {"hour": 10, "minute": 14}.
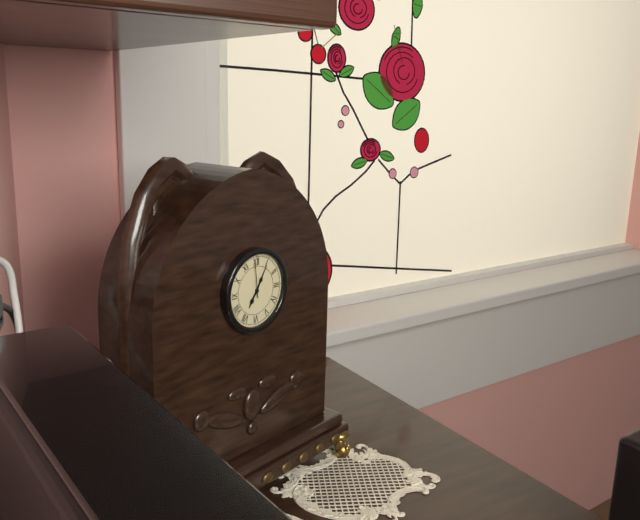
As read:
{"hour": 7, "minute": 5}
